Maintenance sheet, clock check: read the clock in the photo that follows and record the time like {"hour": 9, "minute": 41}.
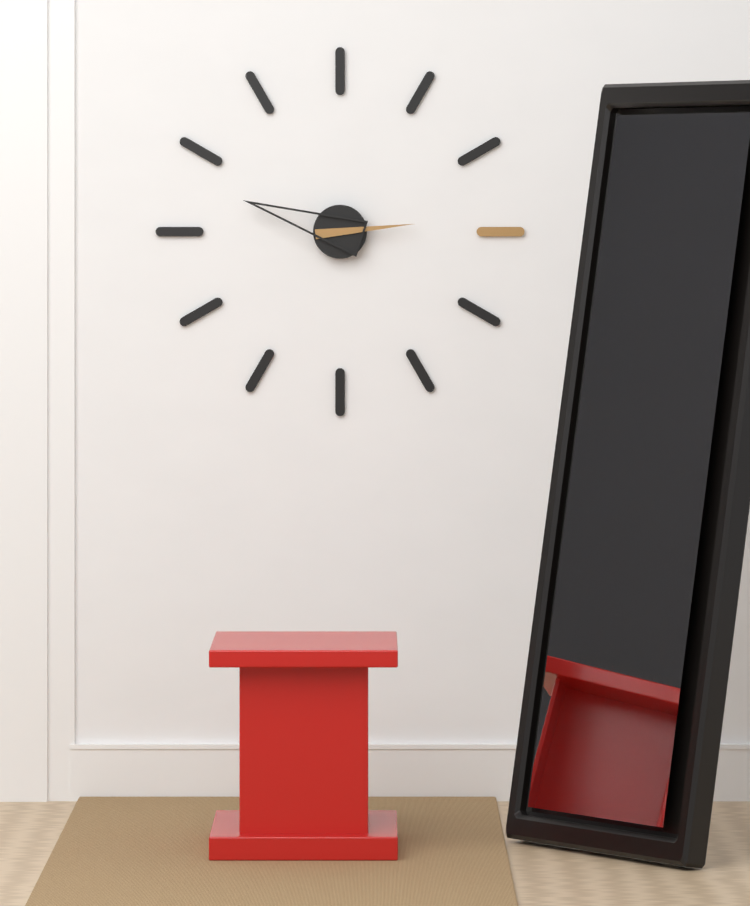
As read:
{"hour": 2, "minute": 48}
